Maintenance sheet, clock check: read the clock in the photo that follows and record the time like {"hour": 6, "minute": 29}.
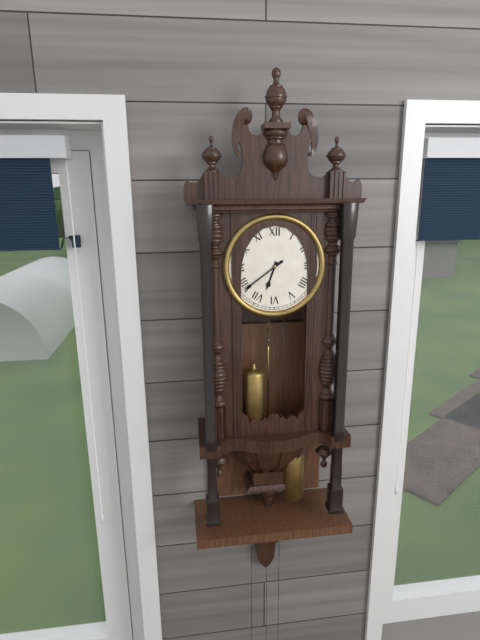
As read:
{"hour": 6, "minute": 39}
